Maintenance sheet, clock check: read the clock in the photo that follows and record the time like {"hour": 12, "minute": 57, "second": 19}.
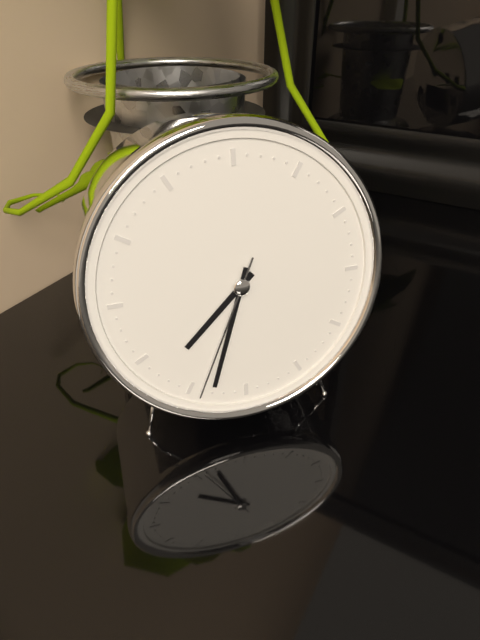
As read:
{"hour": 7, "minute": 33, "second": 34}
